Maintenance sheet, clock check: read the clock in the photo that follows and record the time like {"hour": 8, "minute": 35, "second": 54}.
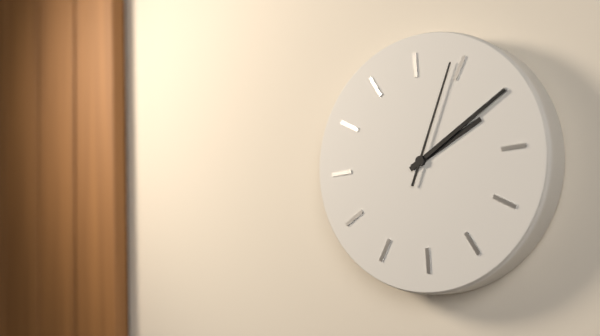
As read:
{"hour": 2, "minute": 10, "second": 4}
